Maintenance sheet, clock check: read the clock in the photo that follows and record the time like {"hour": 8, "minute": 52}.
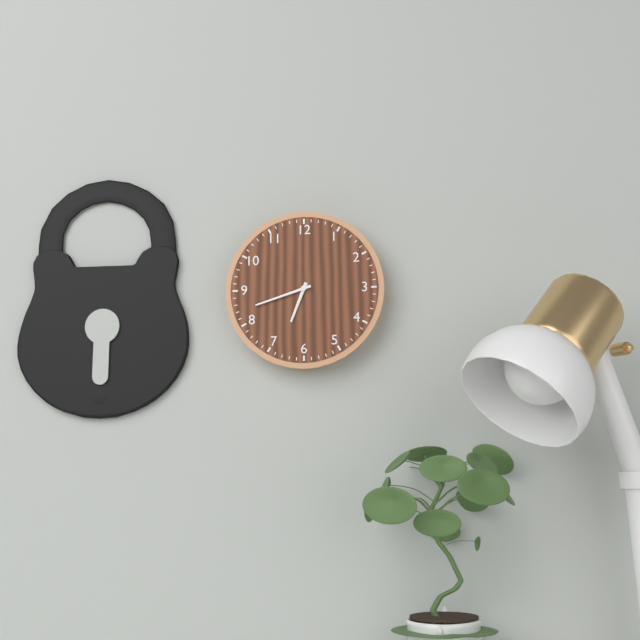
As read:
{"hour": 6, "minute": 42}
